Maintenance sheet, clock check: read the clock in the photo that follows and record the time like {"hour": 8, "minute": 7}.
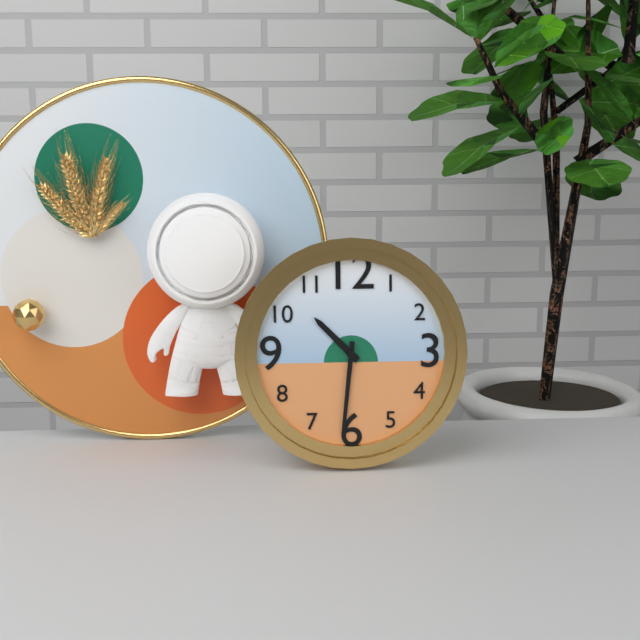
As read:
{"hour": 10, "minute": 31}
